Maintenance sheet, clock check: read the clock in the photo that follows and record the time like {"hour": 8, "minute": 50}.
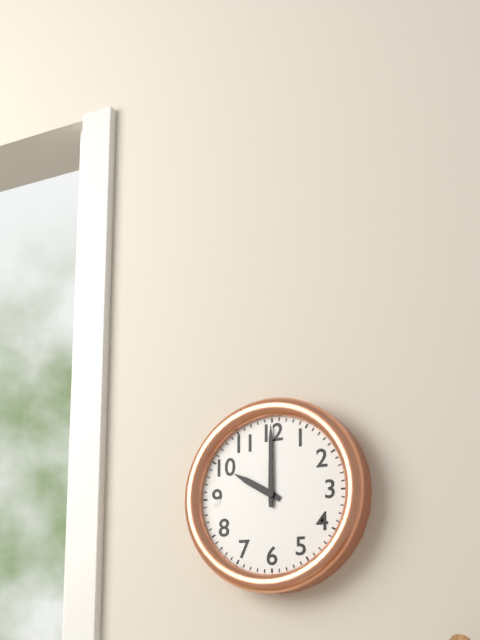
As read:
{"hour": 10, "minute": 0}
